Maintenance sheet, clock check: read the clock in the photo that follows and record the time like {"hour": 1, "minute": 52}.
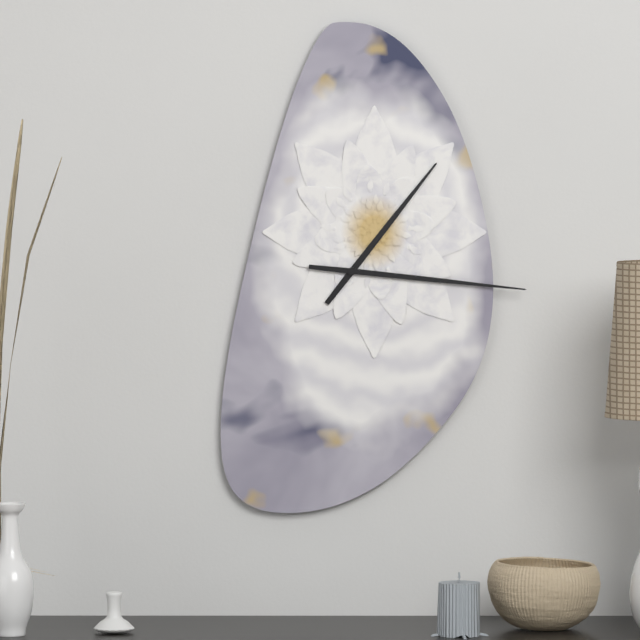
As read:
{"hour": 1, "minute": 16}
